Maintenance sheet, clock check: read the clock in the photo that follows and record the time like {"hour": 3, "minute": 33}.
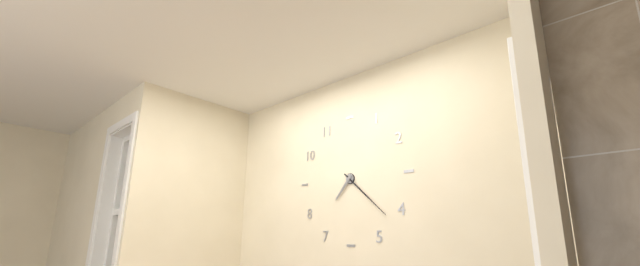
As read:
{"hour": 7, "minute": 22}
